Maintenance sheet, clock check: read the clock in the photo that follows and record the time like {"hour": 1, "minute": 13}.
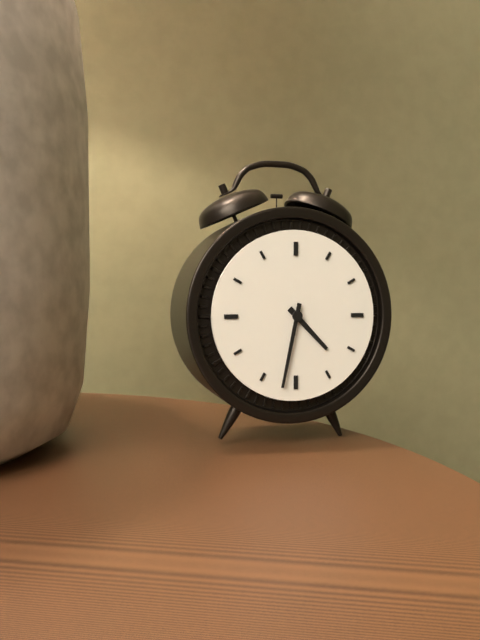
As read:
{"hour": 4, "minute": 32}
